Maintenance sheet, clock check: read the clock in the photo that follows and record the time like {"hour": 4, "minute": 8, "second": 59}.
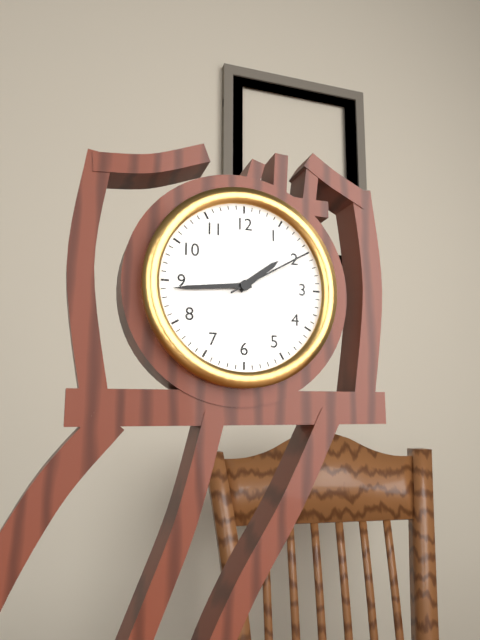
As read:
{"hour": 1, "minute": 44, "second": 10}
